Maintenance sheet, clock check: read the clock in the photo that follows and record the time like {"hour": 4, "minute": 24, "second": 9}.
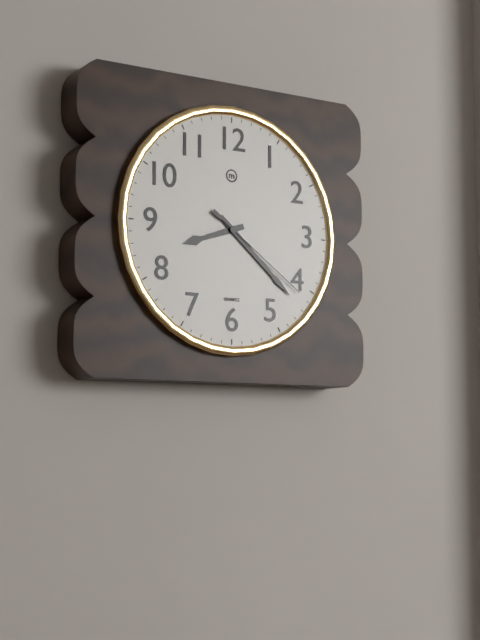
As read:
{"hour": 8, "minute": 22, "second": 21}
